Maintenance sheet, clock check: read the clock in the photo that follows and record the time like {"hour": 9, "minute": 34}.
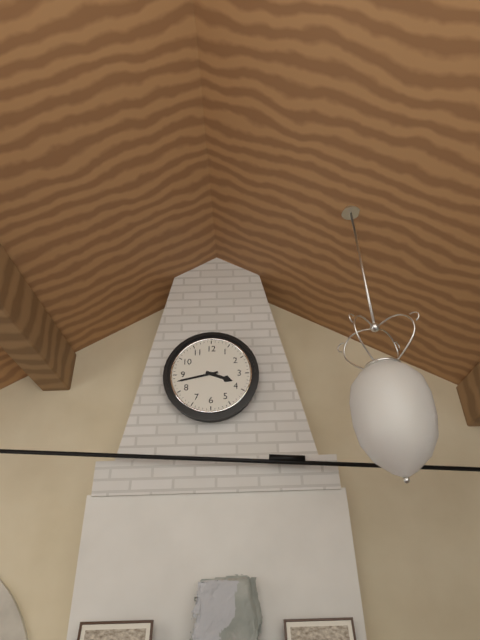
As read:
{"hour": 3, "minute": 43}
